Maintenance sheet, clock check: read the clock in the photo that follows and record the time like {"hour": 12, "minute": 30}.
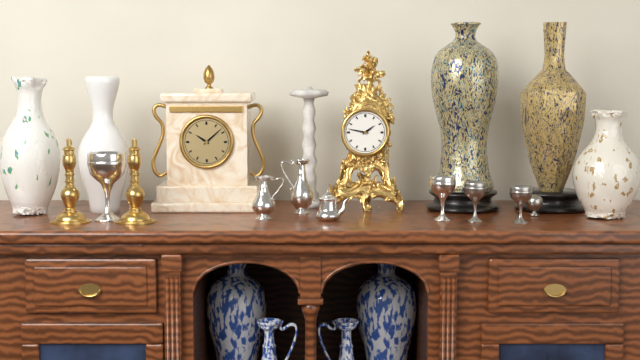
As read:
{"hour": 1, "minute": 47}
